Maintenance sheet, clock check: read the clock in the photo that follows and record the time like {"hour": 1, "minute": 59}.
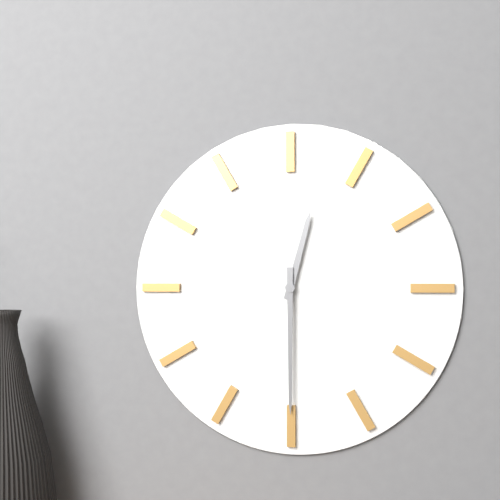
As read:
{"hour": 12, "minute": 30}
